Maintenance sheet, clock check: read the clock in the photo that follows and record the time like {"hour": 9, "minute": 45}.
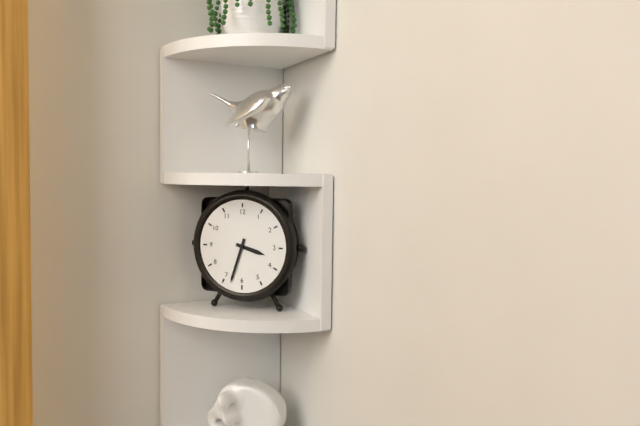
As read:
{"hour": 3, "minute": 33}
